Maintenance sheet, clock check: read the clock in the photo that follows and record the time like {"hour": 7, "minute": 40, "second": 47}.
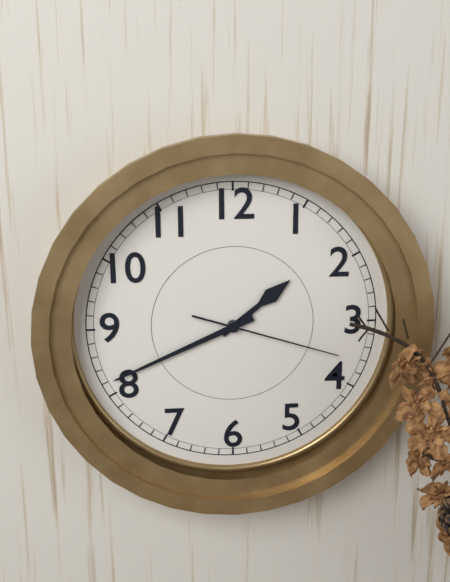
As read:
{"hour": 1, "minute": 41, "second": 18}
